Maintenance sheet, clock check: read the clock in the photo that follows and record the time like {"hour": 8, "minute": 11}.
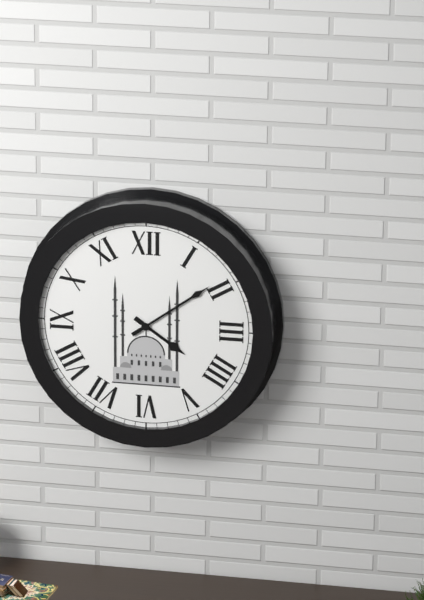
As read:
{"hour": 4, "minute": 9}
